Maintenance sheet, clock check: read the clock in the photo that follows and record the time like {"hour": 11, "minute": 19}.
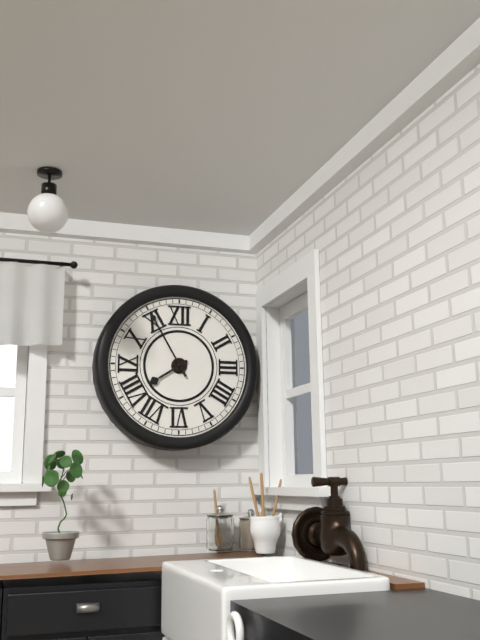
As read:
{"hour": 7, "minute": 55}
